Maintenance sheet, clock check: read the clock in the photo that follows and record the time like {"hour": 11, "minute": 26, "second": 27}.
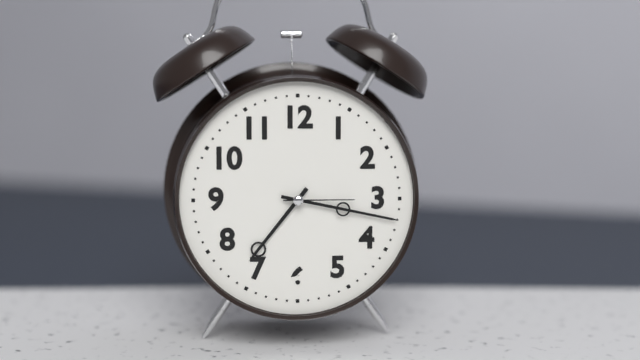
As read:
{"hour": 7, "minute": 17, "second": 15}
